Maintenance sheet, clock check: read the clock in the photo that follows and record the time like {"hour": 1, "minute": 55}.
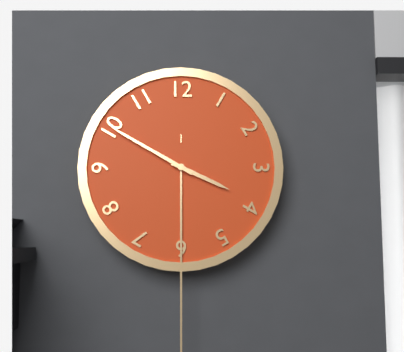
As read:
{"hour": 3, "minute": 50}
